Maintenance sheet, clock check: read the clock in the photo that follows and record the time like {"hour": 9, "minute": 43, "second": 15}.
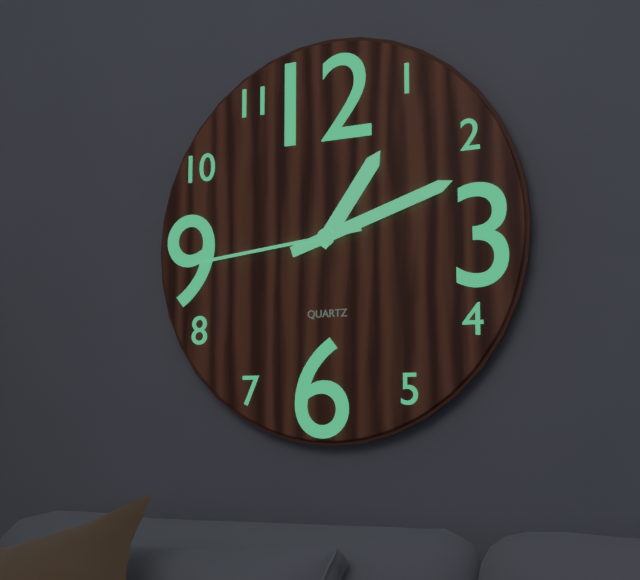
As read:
{"hour": 1, "minute": 12, "second": 44}
